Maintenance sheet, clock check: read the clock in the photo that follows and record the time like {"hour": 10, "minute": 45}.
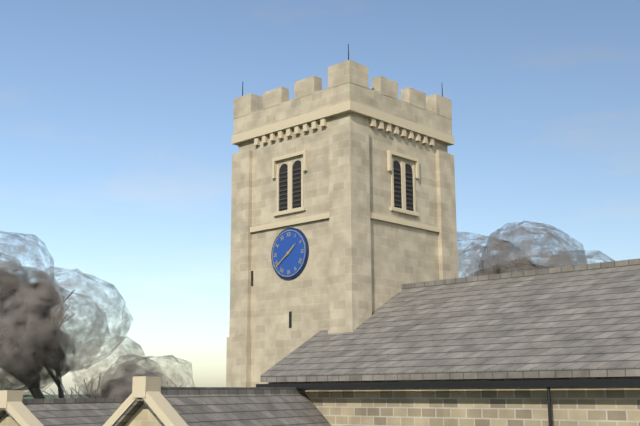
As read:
{"hour": 1, "minute": 39}
